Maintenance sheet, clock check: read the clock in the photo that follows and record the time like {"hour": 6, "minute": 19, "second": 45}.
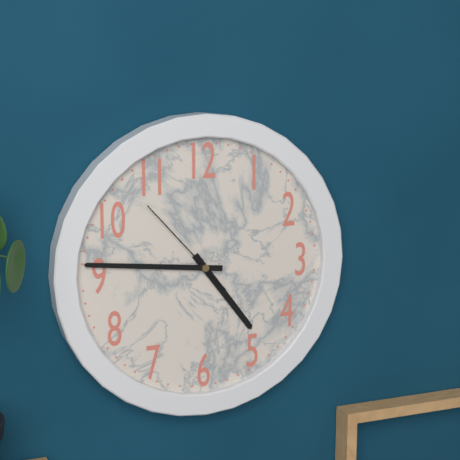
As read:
{"hour": 4, "minute": 46, "second": 53}
